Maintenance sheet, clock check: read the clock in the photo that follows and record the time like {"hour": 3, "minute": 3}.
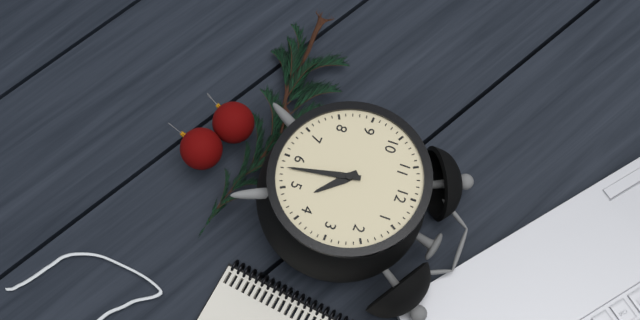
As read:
{"hour": 4, "minute": 28}
